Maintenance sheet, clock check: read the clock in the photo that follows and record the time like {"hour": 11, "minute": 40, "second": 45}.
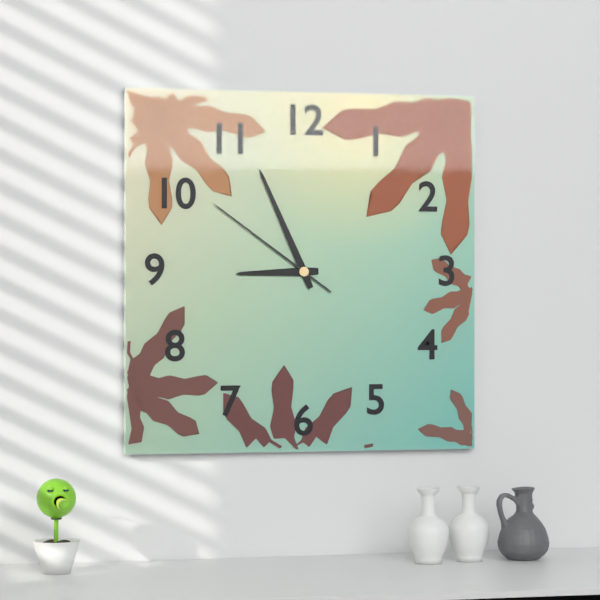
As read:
{"hour": 8, "minute": 56, "second": 51}
